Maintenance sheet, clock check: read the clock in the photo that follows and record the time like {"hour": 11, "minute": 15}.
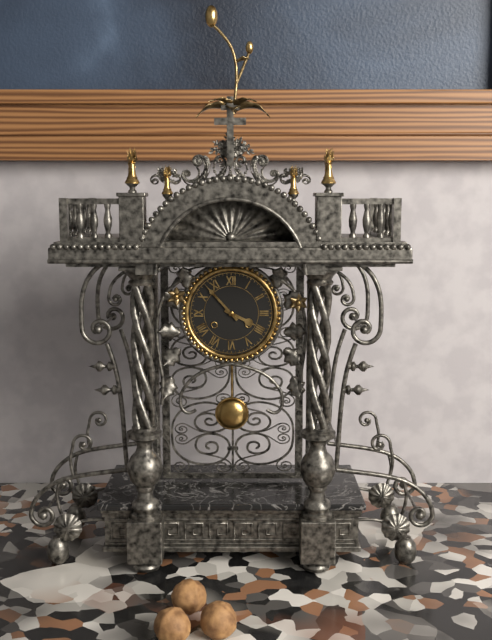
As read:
{"hour": 3, "minute": 53}
